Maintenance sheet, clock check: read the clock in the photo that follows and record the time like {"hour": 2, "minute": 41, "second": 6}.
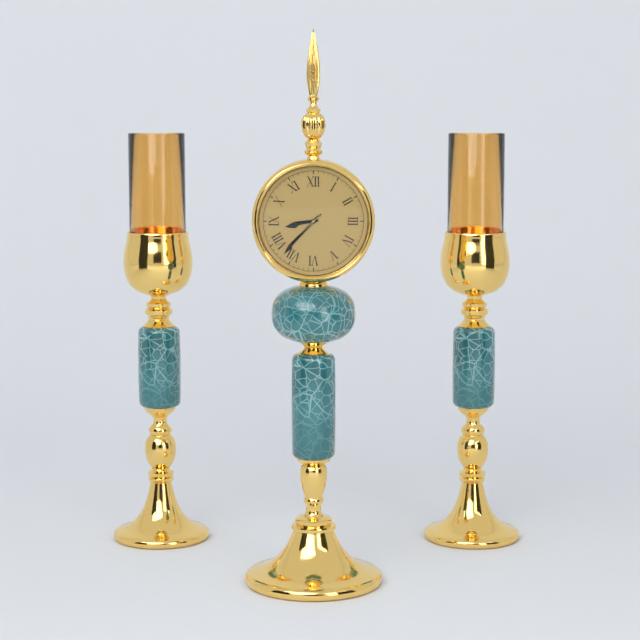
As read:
{"hour": 8, "minute": 37, "second": 38}
